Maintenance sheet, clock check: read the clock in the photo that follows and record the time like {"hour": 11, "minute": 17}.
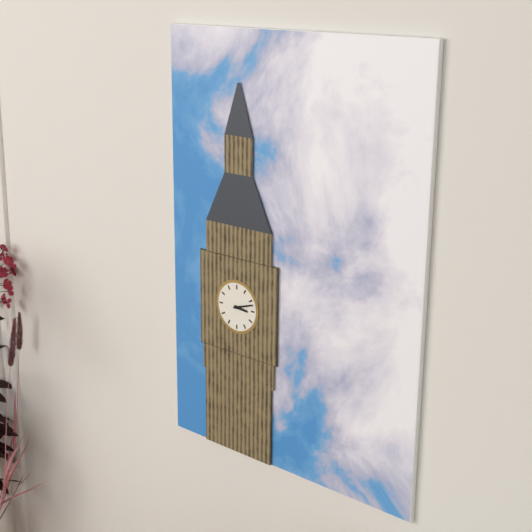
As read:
{"hour": 3, "minute": 12}
